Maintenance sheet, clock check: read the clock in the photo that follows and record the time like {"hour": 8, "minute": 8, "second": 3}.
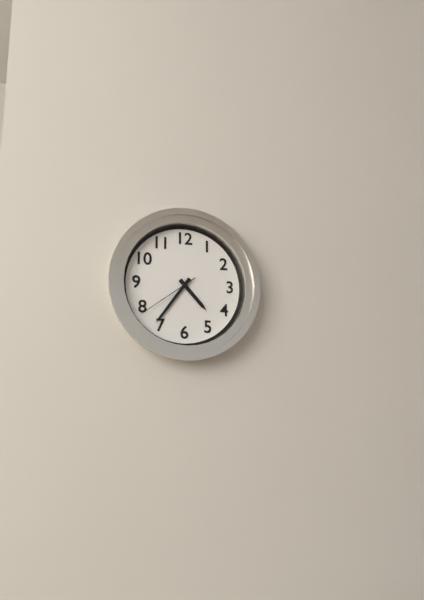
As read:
{"hour": 4, "minute": 36, "second": 39}
